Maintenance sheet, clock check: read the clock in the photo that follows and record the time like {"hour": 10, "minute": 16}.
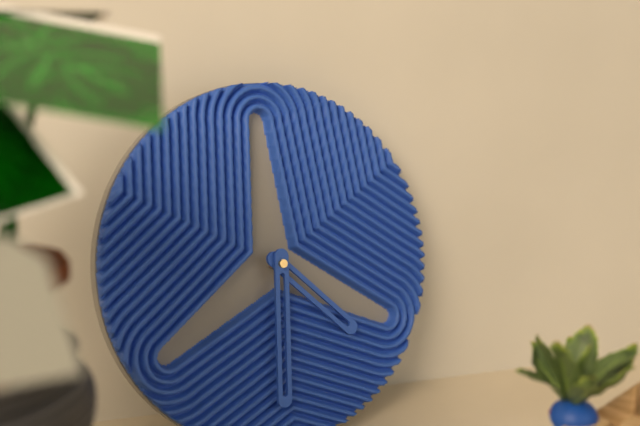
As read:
{"hour": 4, "minute": 31}
